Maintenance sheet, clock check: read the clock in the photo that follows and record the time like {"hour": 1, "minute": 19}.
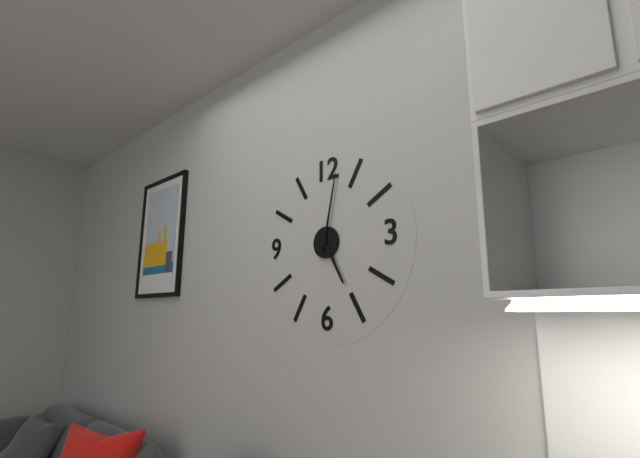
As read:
{"hour": 5, "minute": 2}
